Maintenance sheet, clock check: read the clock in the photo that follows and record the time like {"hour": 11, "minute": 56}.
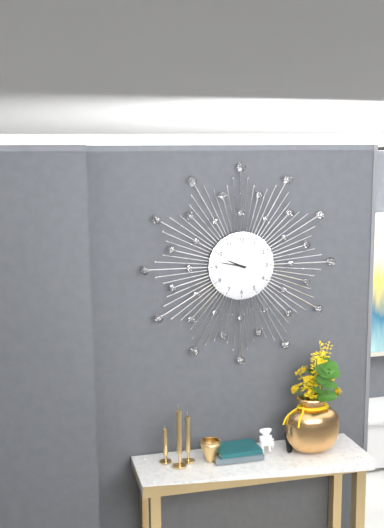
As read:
{"hour": 9, "minute": 47}
